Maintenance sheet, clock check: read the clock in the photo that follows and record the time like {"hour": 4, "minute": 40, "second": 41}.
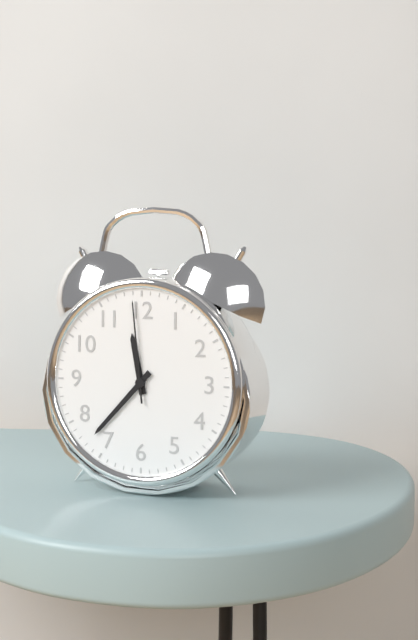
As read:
{"hour": 11, "minute": 37, "second": 59}
